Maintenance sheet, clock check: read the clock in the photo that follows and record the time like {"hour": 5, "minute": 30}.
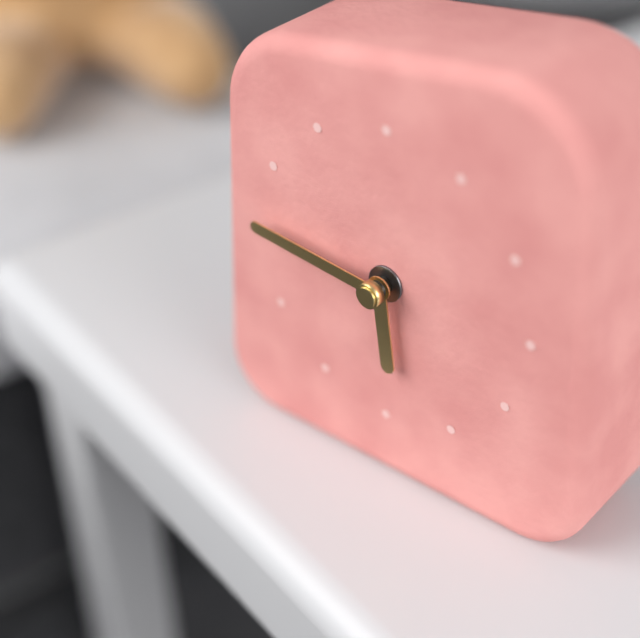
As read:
{"hour": 5, "minute": 46}
